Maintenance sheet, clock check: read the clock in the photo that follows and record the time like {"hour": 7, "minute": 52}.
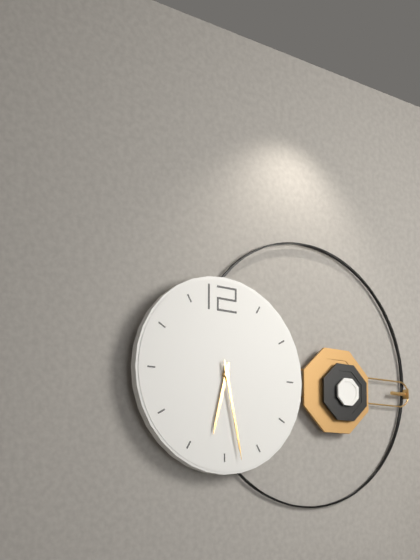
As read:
{"hour": 6, "minute": 28}
